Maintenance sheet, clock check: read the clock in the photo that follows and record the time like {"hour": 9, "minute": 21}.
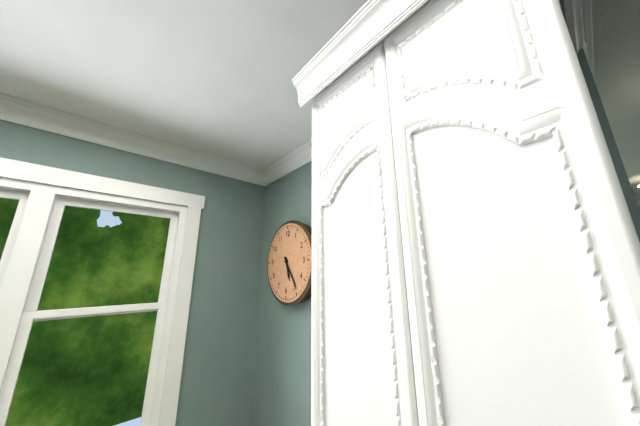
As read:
{"hour": 5, "minute": 24}
